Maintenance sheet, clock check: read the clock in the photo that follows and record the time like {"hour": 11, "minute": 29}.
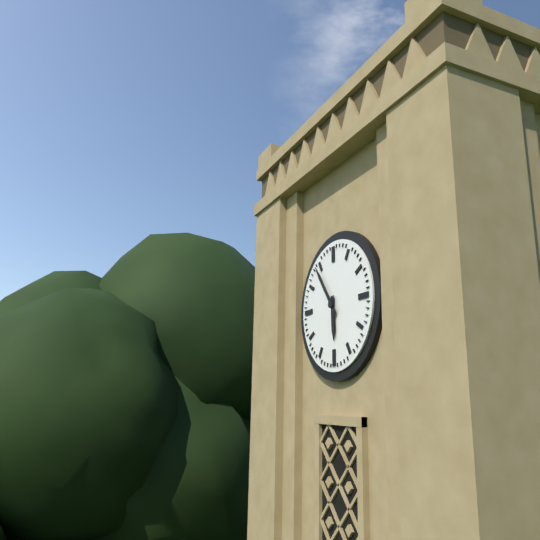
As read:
{"hour": 5, "minute": 54}
